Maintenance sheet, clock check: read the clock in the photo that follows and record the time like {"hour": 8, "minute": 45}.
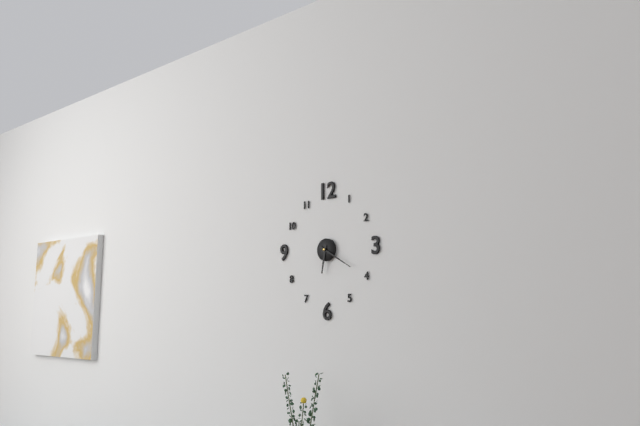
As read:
{"hour": 6, "minute": 20}
